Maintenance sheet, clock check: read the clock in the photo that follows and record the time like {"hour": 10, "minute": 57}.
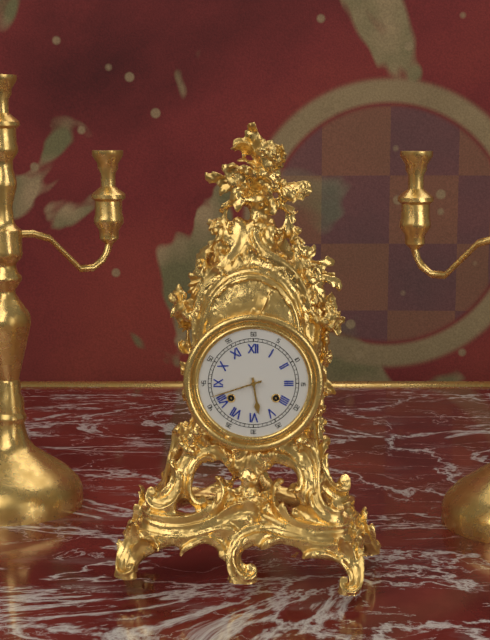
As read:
{"hour": 5, "minute": 42}
